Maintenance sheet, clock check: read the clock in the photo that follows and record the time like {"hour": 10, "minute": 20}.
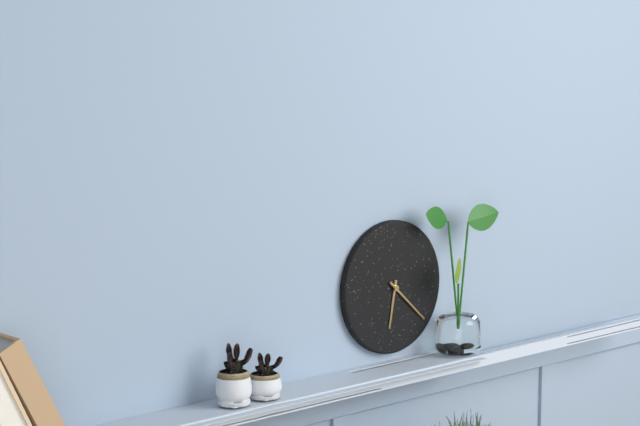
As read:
{"hour": 6, "minute": 22}
